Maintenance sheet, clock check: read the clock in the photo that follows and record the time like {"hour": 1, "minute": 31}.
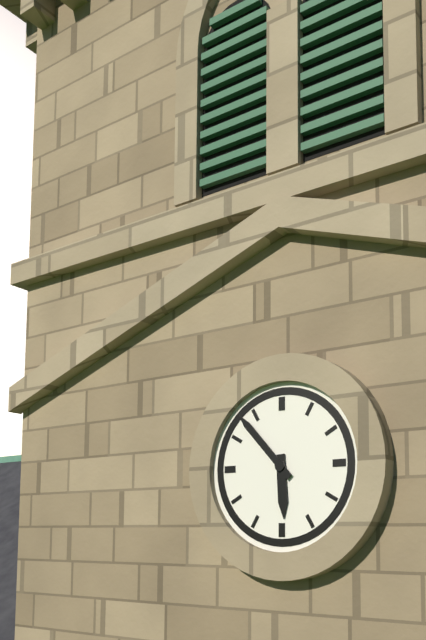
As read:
{"hour": 5, "minute": 53}
